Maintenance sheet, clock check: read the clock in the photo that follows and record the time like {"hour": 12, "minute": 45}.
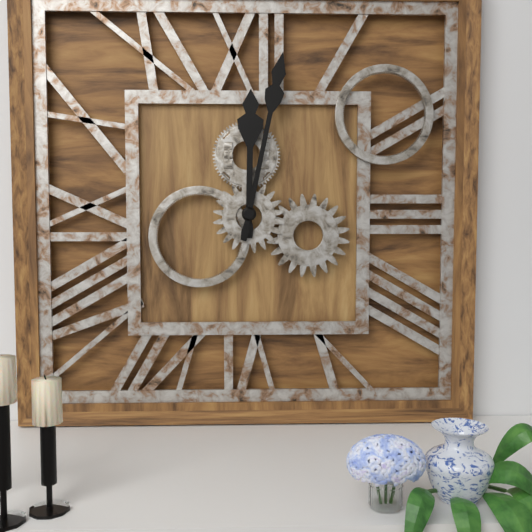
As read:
{"hour": 12, "minute": 2}
